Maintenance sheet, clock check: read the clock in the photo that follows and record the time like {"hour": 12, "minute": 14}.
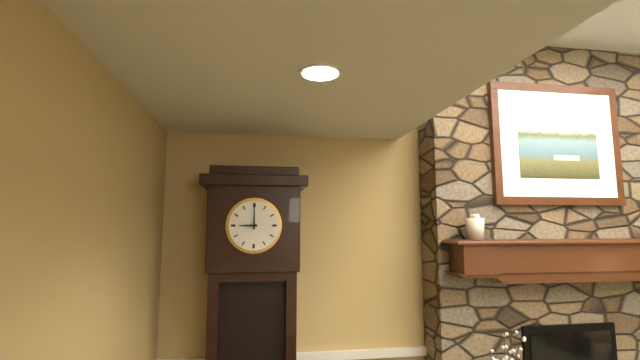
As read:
{"hour": 9, "minute": 0}
